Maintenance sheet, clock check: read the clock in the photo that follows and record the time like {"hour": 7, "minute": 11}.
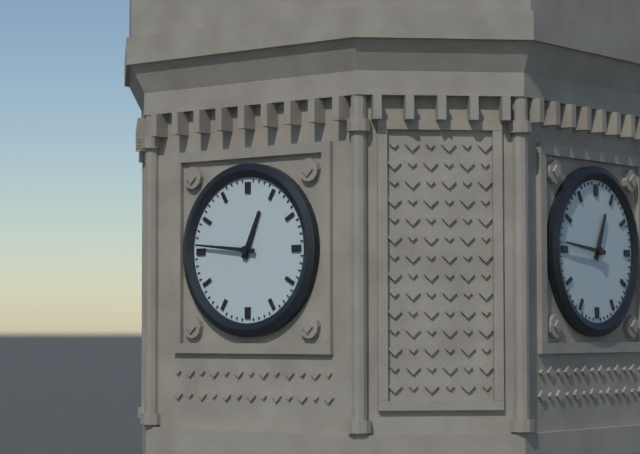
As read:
{"hour": 12, "minute": 46}
